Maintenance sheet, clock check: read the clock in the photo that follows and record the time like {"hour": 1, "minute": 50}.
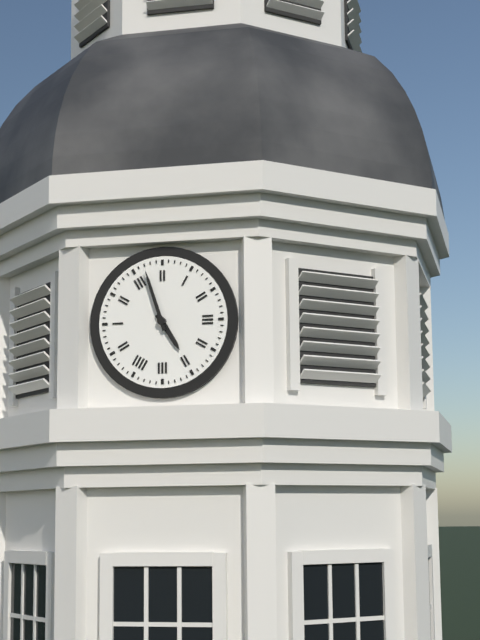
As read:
{"hour": 4, "minute": 57}
